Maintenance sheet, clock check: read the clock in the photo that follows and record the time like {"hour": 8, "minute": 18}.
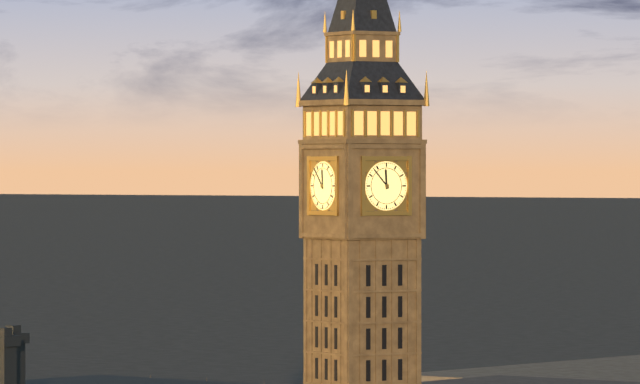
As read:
{"hour": 11, "minute": 53}
